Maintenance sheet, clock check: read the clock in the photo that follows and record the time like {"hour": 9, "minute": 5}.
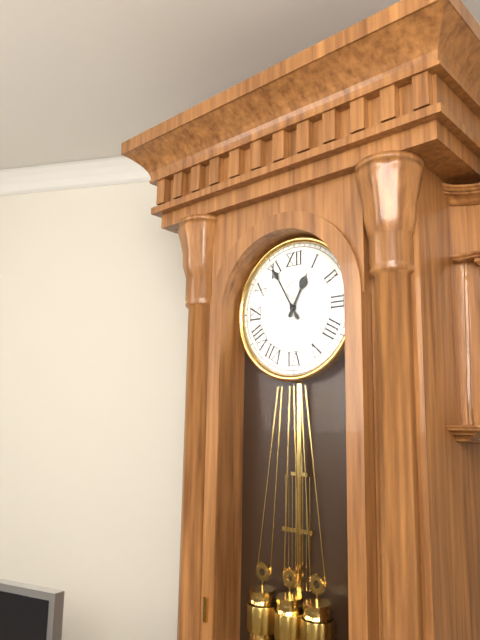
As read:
{"hour": 12, "minute": 55}
